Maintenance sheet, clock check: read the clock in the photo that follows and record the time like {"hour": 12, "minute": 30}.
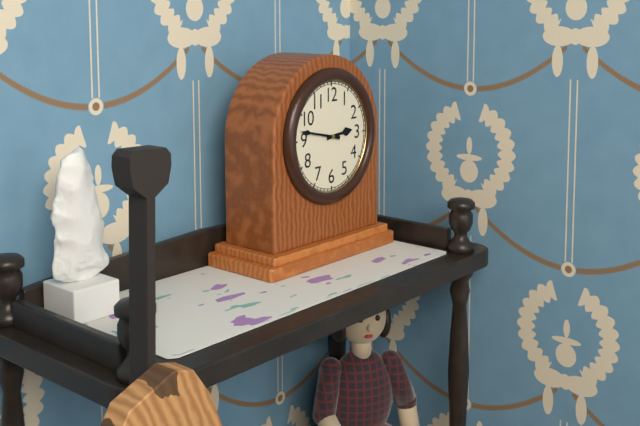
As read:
{"hour": 2, "minute": 47}
